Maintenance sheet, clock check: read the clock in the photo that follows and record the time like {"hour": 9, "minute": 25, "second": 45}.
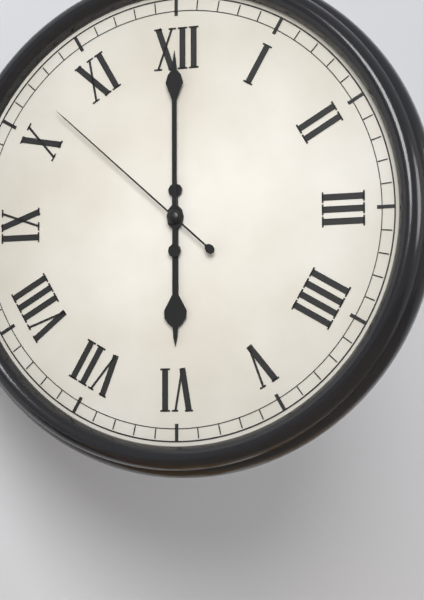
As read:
{"hour": 6, "minute": 0, "second": 52}
